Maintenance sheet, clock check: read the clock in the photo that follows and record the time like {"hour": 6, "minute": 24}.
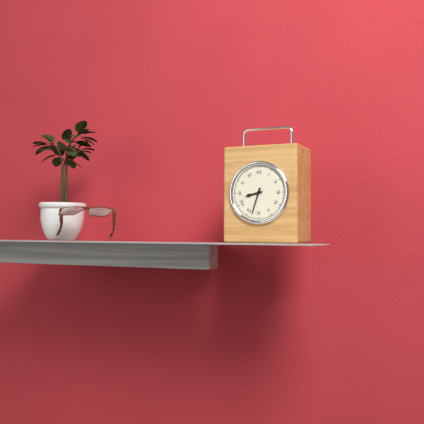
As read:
{"hour": 8, "minute": 33}
